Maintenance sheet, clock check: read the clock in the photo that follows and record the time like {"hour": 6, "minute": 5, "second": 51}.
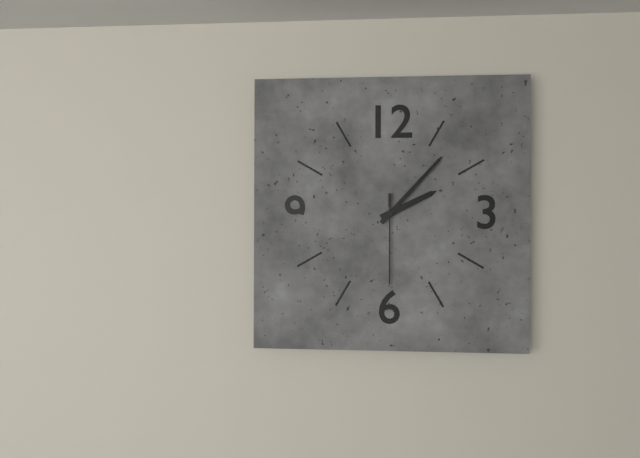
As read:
{"hour": 2, "minute": 7, "second": 30}
